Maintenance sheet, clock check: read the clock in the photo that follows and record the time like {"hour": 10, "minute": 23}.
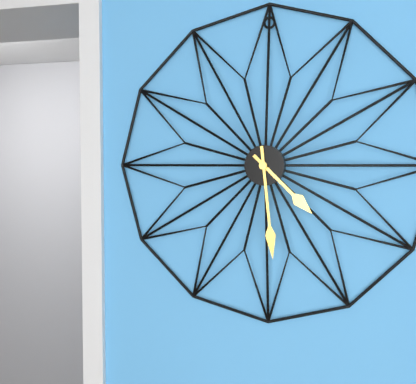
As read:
{"hour": 4, "minute": 29}
